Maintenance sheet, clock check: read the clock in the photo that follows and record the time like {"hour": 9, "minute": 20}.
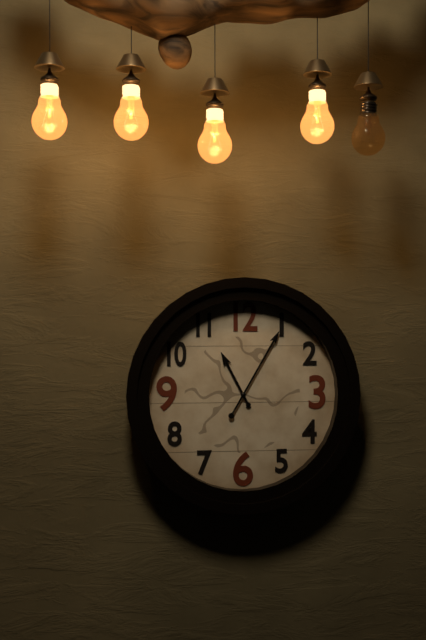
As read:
{"hour": 11, "minute": 5}
